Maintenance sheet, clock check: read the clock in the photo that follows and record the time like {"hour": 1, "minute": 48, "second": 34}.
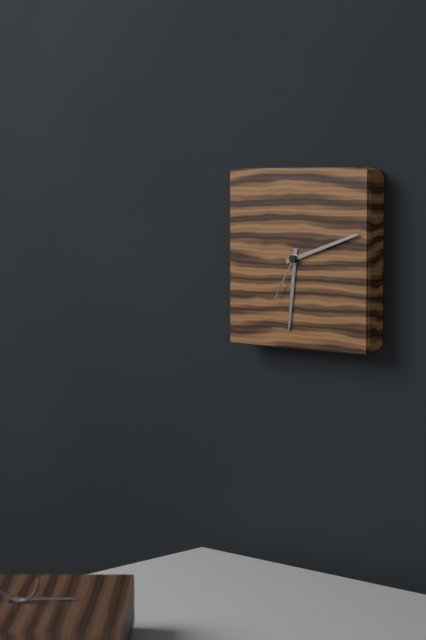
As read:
{"hour": 6, "minute": 12, "second": 35}
